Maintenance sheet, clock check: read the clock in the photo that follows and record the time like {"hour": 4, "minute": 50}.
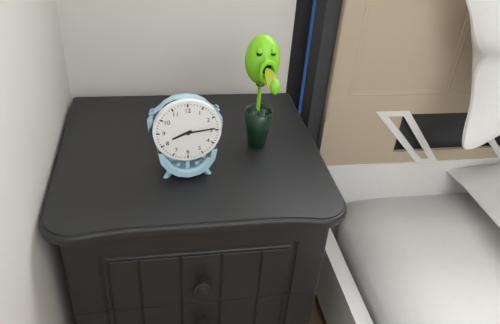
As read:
{"hour": 8, "minute": 14}
